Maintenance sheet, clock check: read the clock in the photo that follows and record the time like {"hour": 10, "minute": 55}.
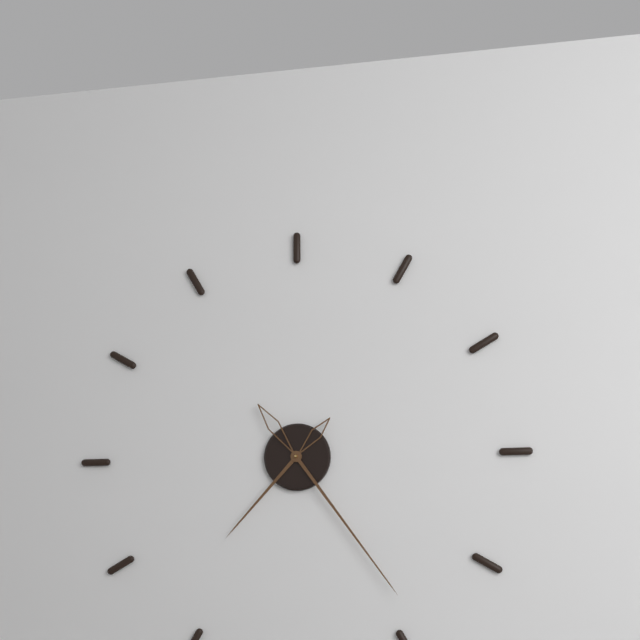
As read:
{"hour": 7, "minute": 24}
